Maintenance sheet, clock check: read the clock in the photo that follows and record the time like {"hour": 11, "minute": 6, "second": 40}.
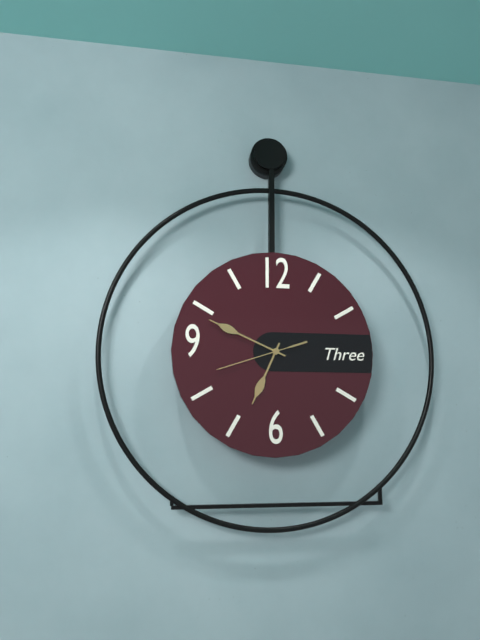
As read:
{"hour": 6, "minute": 49, "second": 42}
